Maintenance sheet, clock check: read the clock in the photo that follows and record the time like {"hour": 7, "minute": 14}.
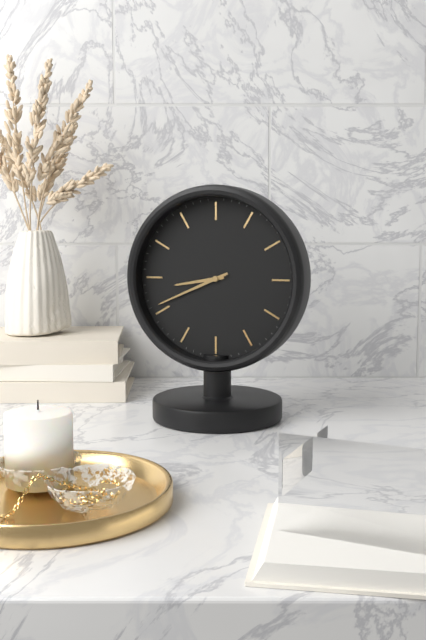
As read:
{"hour": 8, "minute": 41}
